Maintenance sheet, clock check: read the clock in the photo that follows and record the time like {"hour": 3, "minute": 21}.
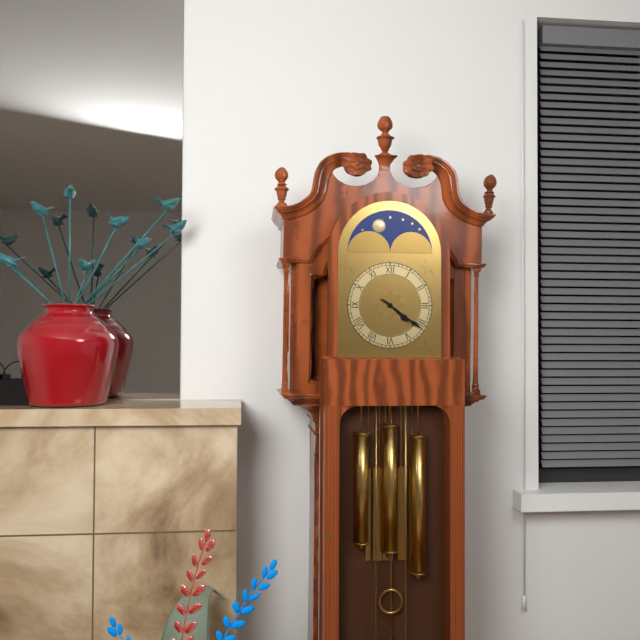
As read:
{"hour": 4, "minute": 21}
